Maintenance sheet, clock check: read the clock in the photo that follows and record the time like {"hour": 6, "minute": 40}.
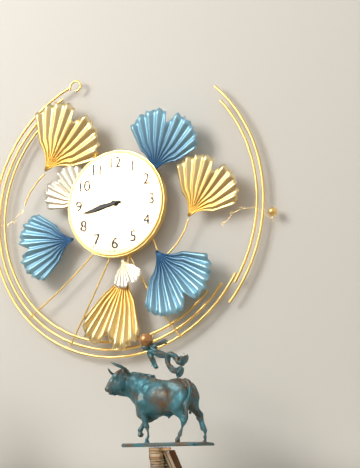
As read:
{"hour": 8, "minute": 43}
